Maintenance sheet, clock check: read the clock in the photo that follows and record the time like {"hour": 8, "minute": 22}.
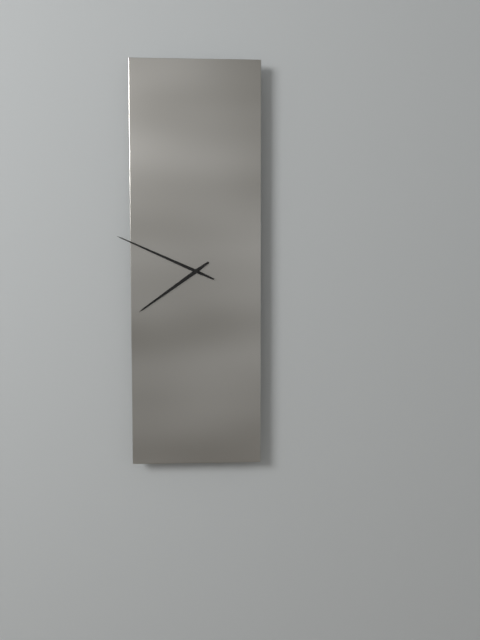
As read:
{"hour": 7, "minute": 49}
